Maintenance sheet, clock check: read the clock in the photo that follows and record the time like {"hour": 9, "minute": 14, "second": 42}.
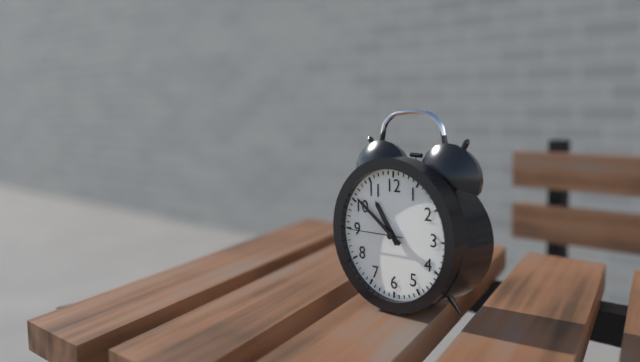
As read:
{"hour": 10, "minute": 51, "second": 45}
